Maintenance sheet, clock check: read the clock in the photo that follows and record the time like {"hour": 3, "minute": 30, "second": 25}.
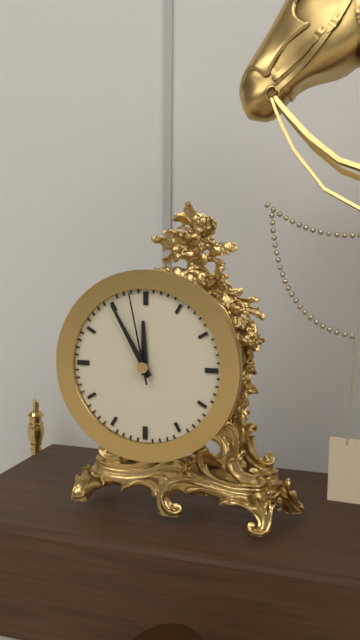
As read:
{"hour": 11, "minute": 55, "second": 58}
